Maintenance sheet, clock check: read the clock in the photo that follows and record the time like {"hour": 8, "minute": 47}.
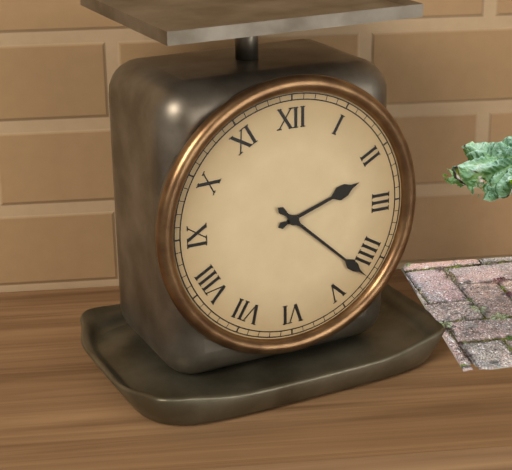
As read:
{"hour": 2, "minute": 22}
